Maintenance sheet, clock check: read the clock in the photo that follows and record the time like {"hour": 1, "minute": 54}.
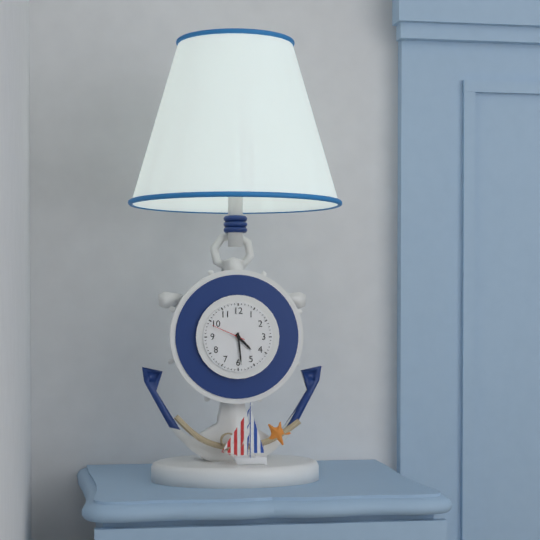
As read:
{"hour": 4, "minute": 29}
